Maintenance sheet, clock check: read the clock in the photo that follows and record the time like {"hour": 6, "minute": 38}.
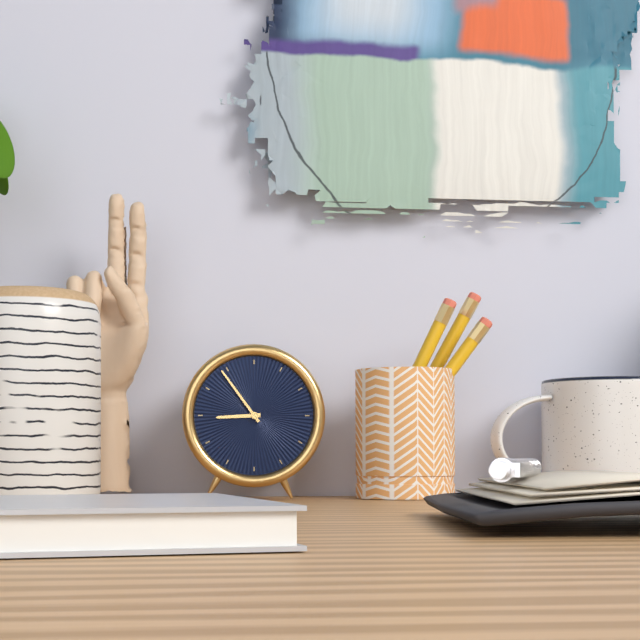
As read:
{"hour": 8, "minute": 54}
